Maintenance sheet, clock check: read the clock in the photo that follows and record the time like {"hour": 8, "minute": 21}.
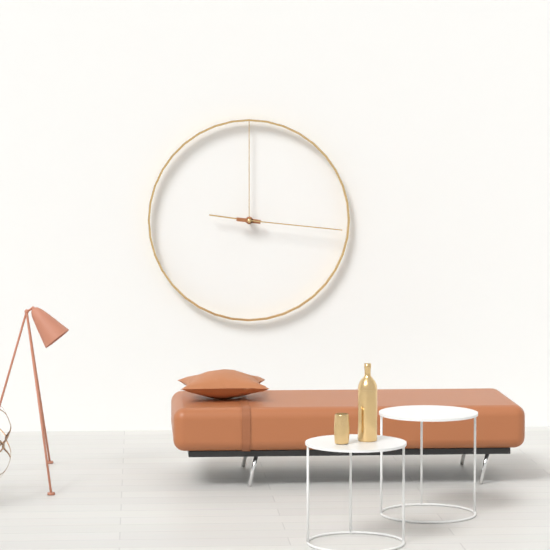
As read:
{"hour": 9, "minute": 16}
